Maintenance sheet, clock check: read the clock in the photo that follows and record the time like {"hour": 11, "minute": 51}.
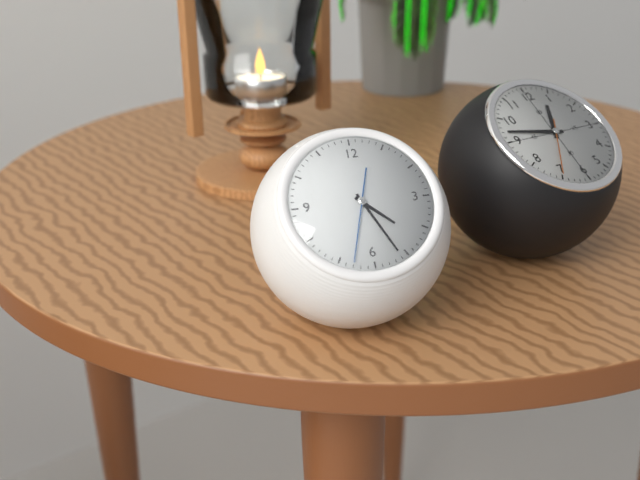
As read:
{"hour": 4, "minute": 26}
